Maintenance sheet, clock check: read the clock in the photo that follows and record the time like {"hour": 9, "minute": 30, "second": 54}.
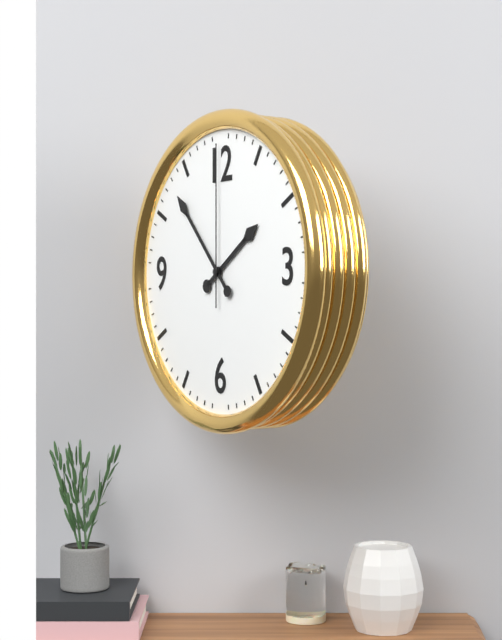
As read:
{"hour": 1, "minute": 53, "second": 0}
